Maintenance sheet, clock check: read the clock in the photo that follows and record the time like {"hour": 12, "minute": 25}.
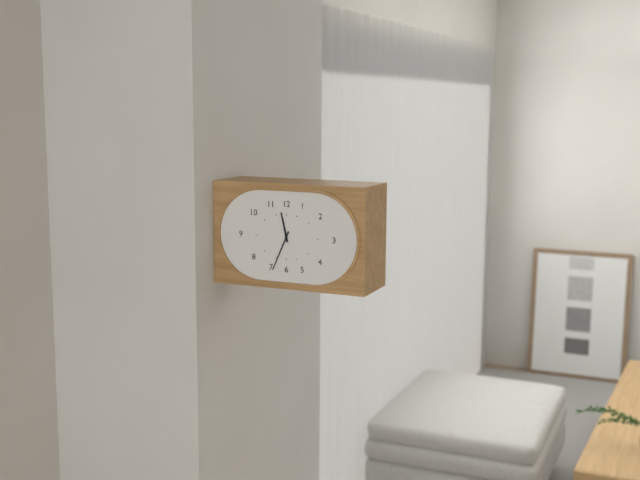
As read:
{"hour": 11, "minute": 34}
